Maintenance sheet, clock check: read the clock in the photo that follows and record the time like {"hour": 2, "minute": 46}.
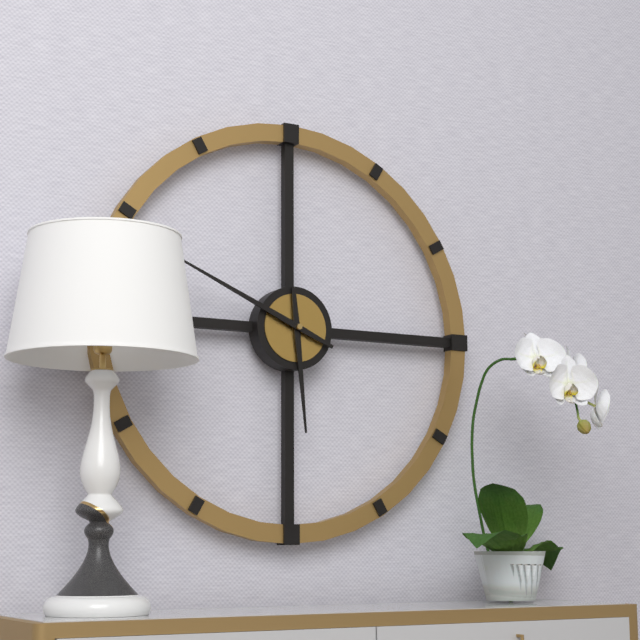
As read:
{"hour": 5, "minute": 49}
